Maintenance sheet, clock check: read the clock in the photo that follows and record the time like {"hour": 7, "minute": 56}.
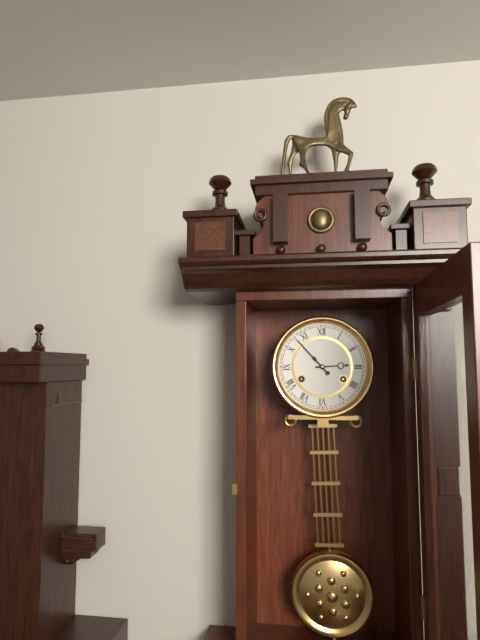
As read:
{"hour": 2, "minute": 53}
